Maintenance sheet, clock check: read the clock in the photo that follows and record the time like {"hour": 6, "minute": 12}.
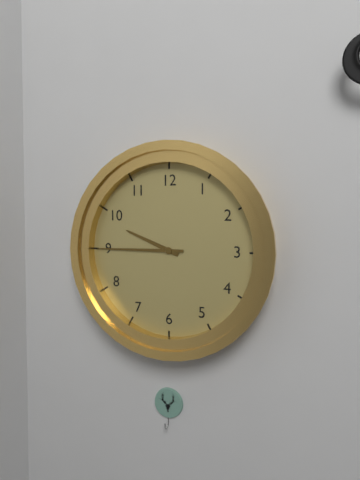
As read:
{"hour": 9, "minute": 45}
